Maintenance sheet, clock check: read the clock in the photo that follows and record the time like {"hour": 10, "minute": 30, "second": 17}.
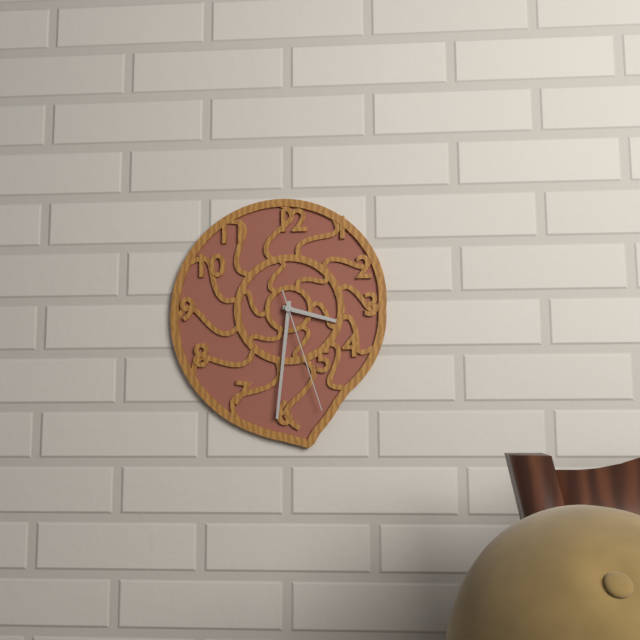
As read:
{"hour": 3, "minute": 31, "second": 27}
